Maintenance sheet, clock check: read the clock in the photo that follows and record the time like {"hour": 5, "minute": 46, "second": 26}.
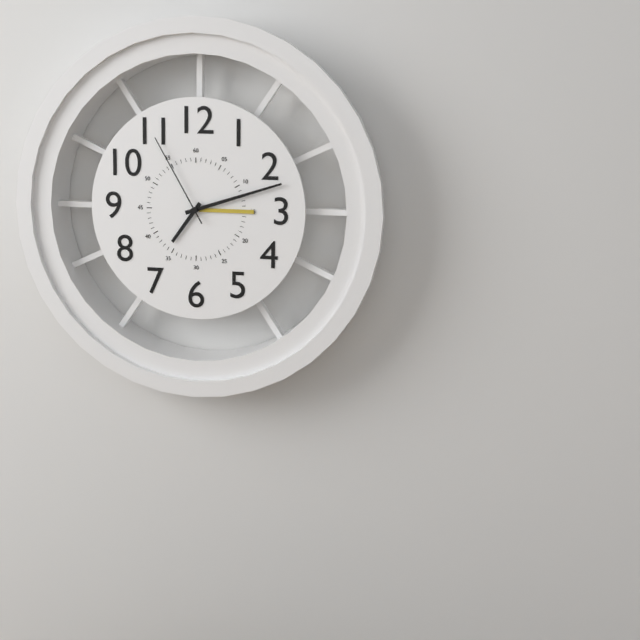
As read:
{"hour": 7, "minute": 12, "second": 55}
